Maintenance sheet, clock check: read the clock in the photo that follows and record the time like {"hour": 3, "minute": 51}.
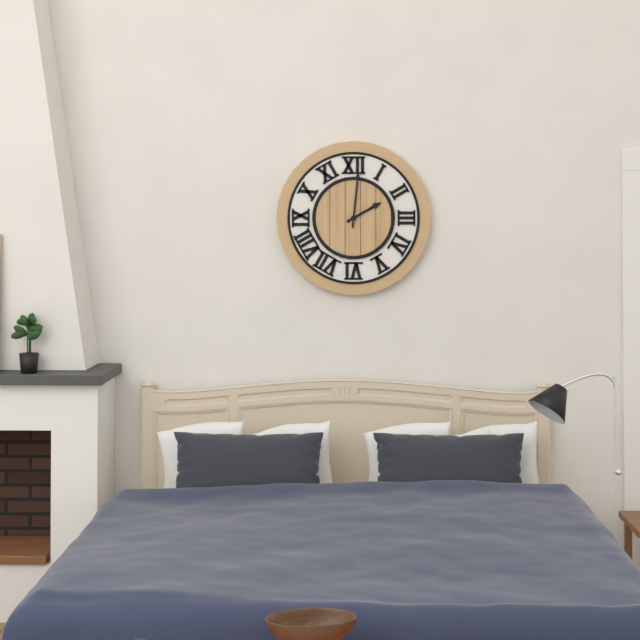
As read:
{"hour": 2, "minute": 1}
